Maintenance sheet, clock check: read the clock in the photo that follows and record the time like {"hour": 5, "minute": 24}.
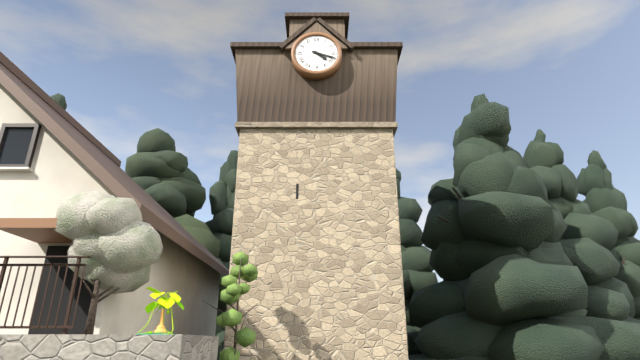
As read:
{"hour": 4, "minute": 18}
